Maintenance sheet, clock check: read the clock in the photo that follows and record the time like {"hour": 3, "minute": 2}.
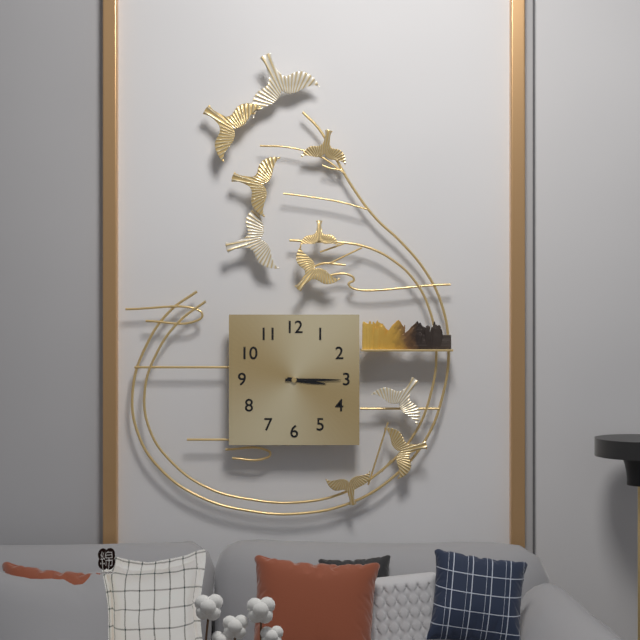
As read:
{"hour": 3, "minute": 15}
